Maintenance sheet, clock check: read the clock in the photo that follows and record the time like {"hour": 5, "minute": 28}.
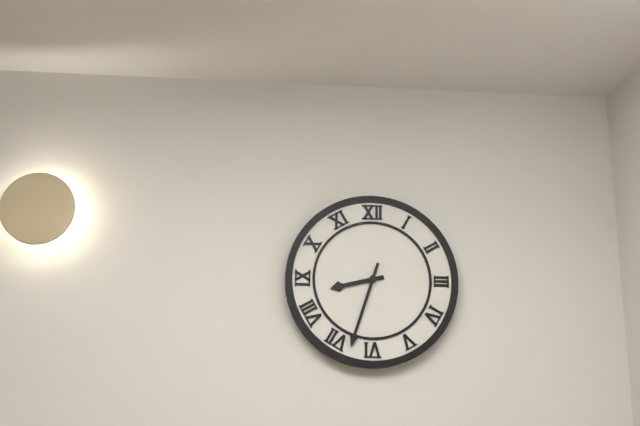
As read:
{"hour": 8, "minute": 33}
